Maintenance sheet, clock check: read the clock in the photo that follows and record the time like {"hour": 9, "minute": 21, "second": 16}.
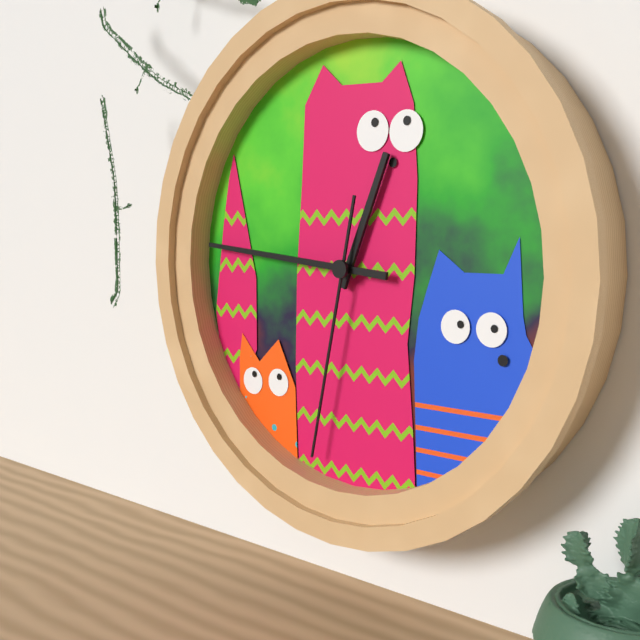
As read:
{"hour": 12, "minute": 46, "second": 32}
